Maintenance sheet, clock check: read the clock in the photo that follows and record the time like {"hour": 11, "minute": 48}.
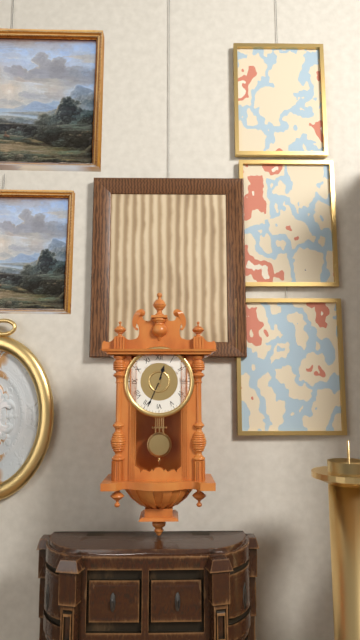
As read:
{"hour": 12, "minute": 34}
